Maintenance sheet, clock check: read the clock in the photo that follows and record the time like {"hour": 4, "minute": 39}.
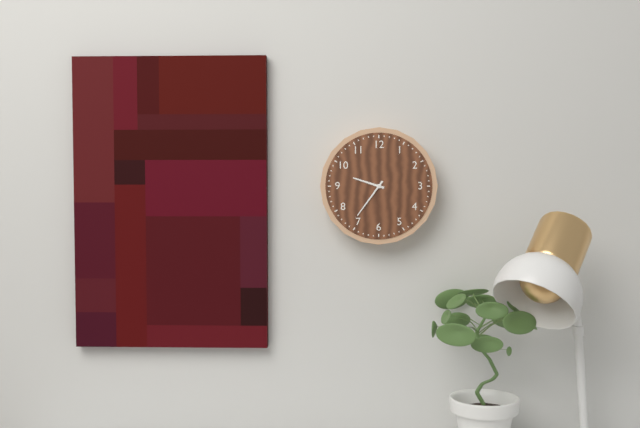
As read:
{"hour": 9, "minute": 36}
